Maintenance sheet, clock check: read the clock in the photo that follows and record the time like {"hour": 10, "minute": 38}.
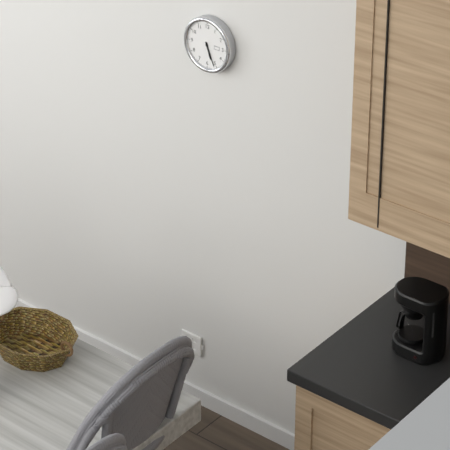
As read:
{"hour": 5, "minute": 26}
